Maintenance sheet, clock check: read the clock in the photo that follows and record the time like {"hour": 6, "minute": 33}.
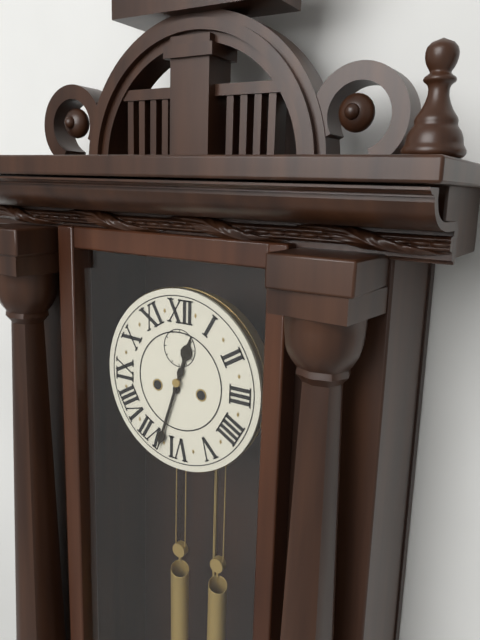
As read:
{"hour": 12, "minute": 33}
